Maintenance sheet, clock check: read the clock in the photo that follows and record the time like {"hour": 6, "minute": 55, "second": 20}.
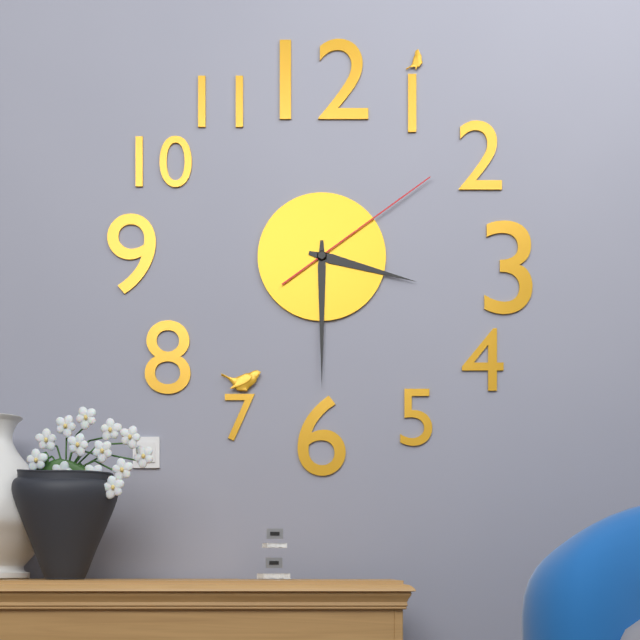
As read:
{"hour": 3, "minute": 30, "second": 9}
